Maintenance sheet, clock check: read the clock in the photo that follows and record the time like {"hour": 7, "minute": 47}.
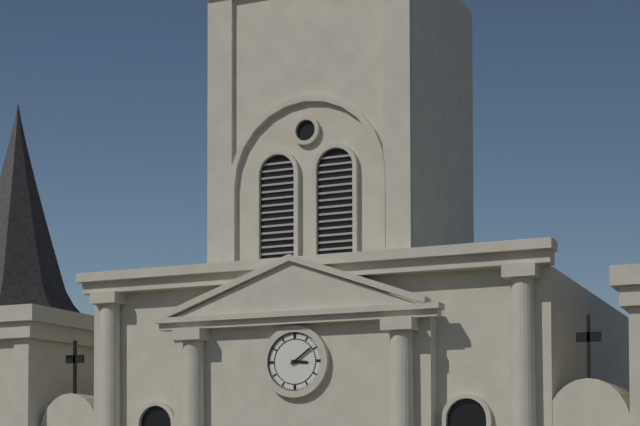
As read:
{"hour": 3, "minute": 9}
